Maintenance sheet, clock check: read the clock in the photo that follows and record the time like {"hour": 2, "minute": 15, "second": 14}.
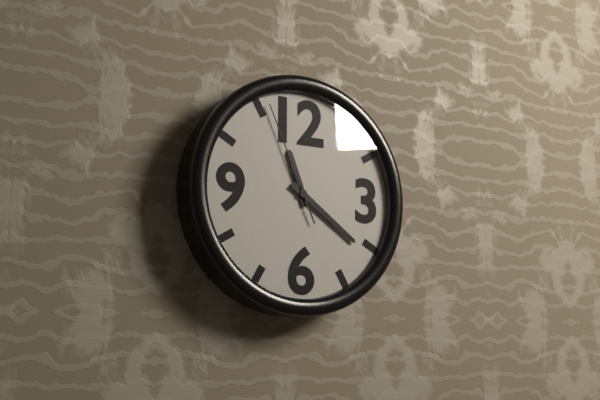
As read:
{"hour": 11, "minute": 21, "second": 56}
